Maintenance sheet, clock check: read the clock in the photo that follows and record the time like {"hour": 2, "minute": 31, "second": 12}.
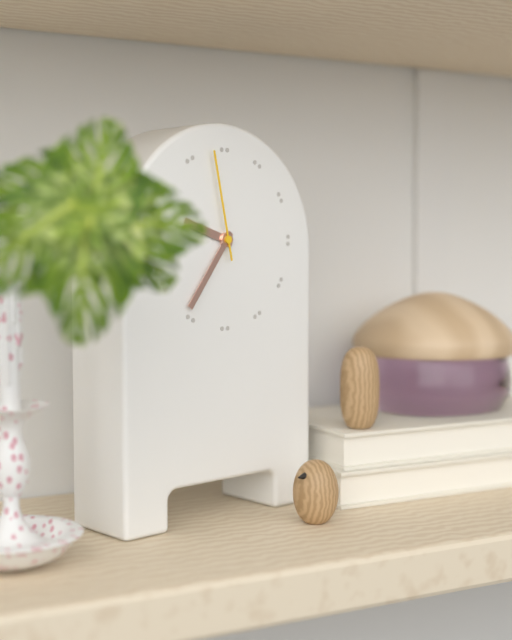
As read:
{"hour": 9, "minute": 36, "second": 58}
